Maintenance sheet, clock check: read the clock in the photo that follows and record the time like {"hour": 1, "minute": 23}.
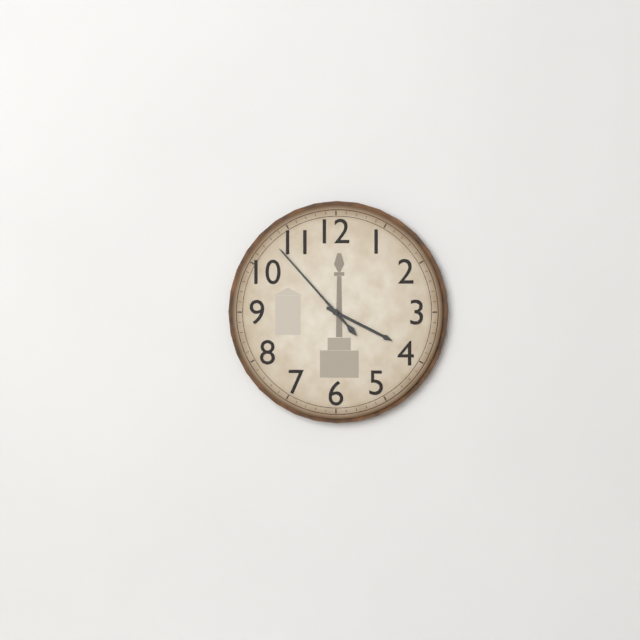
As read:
{"hour": 3, "minute": 53}
